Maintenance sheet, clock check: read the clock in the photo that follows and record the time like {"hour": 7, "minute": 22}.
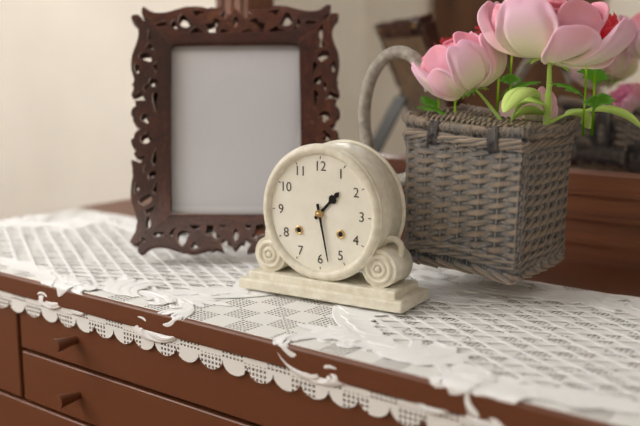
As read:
{"hour": 1, "minute": 28}
